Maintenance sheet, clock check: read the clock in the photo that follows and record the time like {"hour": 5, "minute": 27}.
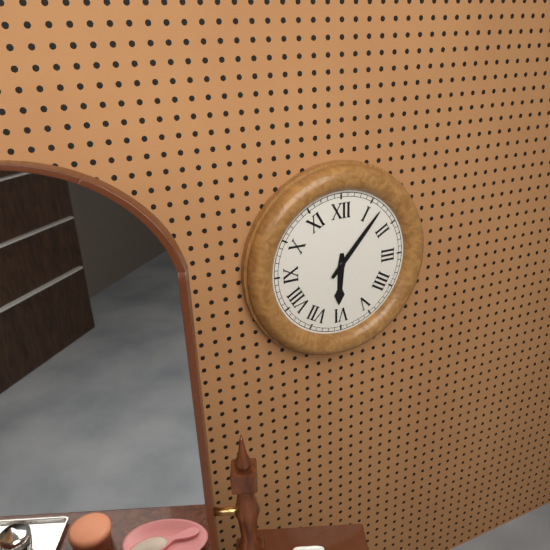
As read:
{"hour": 6, "minute": 7}
